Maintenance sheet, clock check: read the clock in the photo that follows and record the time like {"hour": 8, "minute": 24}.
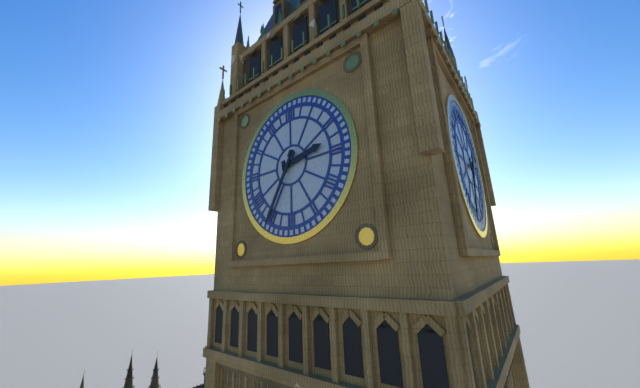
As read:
{"hour": 2, "minute": 35}
